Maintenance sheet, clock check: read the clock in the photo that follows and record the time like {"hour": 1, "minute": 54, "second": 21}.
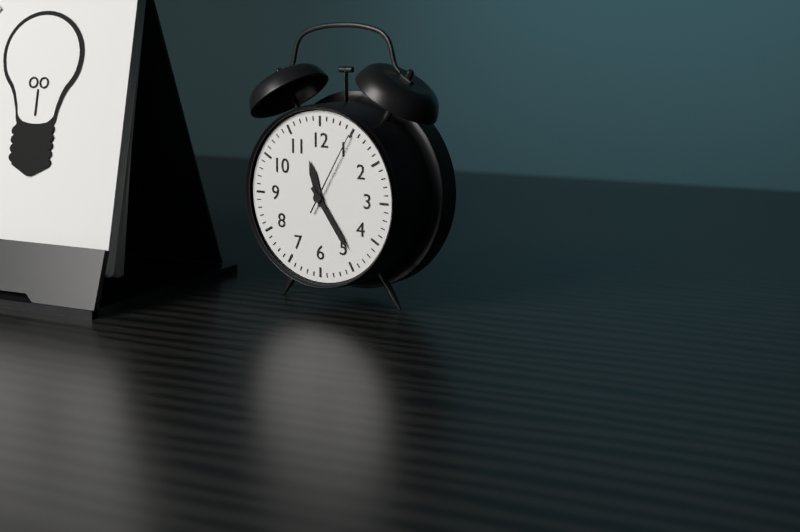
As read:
{"hour": 11, "minute": 24, "second": 5}
